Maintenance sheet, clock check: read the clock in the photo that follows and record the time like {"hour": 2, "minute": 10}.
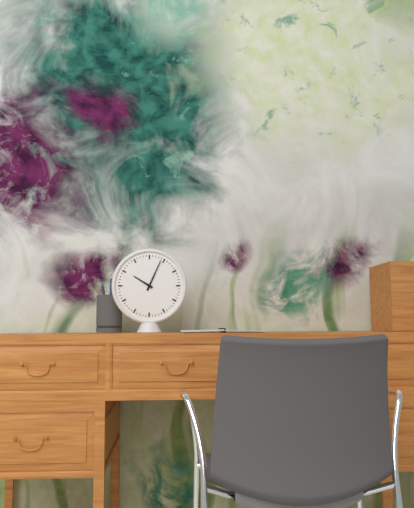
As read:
{"hour": 10, "minute": 4}
